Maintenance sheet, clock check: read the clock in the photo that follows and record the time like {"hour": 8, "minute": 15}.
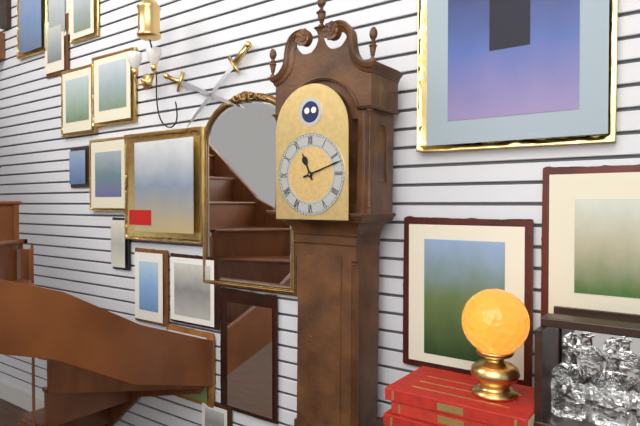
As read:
{"hour": 11, "minute": 12}
